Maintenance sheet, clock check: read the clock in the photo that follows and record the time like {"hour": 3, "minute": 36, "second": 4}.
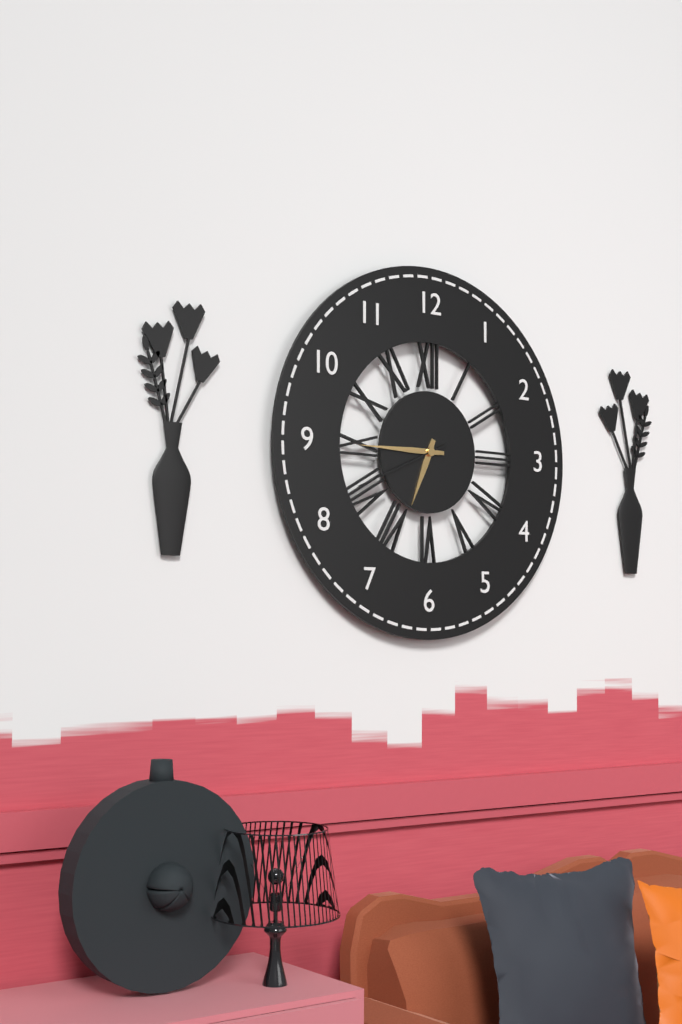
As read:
{"hour": 6, "minute": 45, "second": 41}
